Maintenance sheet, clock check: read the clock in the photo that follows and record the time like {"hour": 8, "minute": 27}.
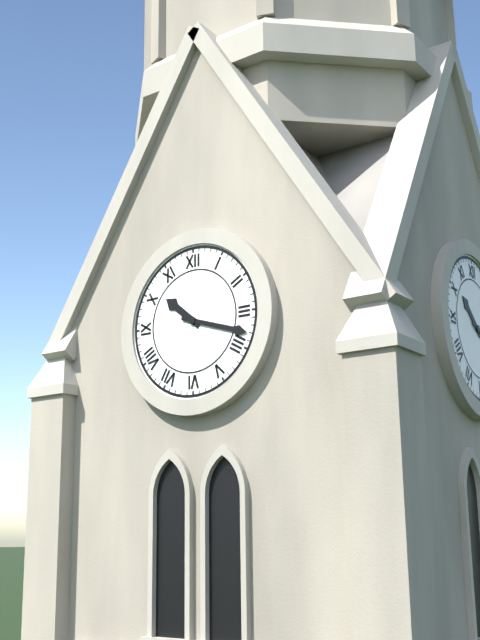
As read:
{"hour": 10, "minute": 18}
